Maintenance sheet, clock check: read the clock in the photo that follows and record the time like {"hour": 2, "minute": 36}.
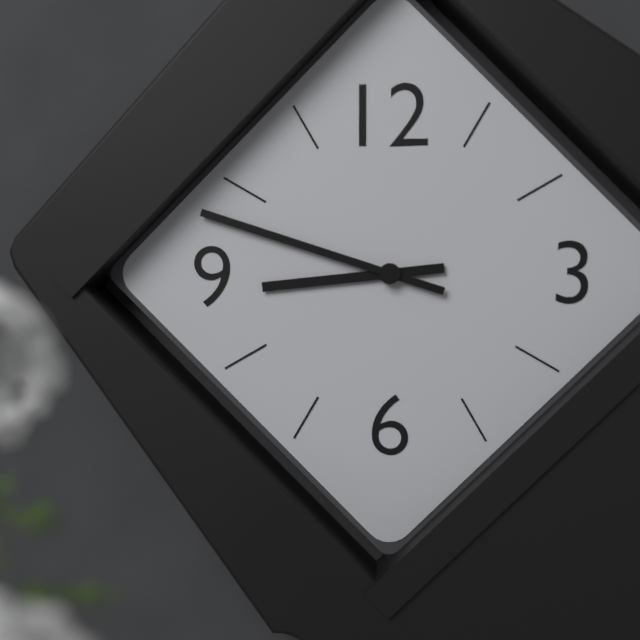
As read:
{"hour": 8, "minute": 48}
